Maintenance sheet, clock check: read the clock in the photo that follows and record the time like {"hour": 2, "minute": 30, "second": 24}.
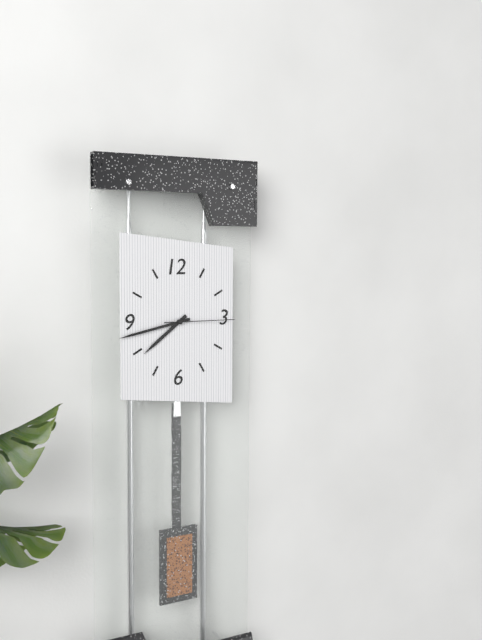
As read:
{"hour": 7, "minute": 43, "second": 15}
